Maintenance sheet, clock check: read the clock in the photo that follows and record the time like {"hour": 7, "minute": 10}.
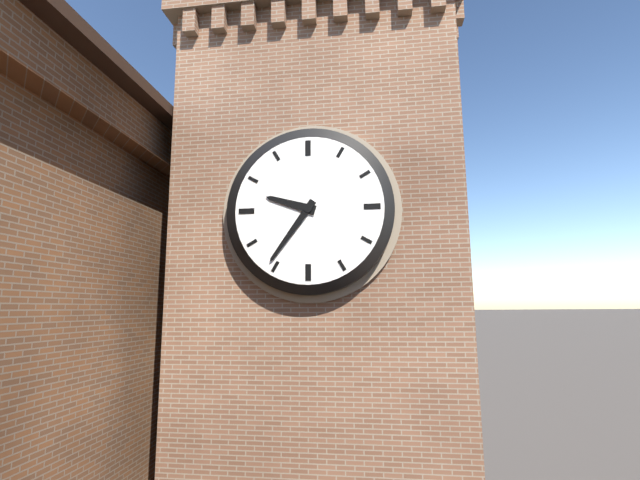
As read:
{"hour": 9, "minute": 36}
